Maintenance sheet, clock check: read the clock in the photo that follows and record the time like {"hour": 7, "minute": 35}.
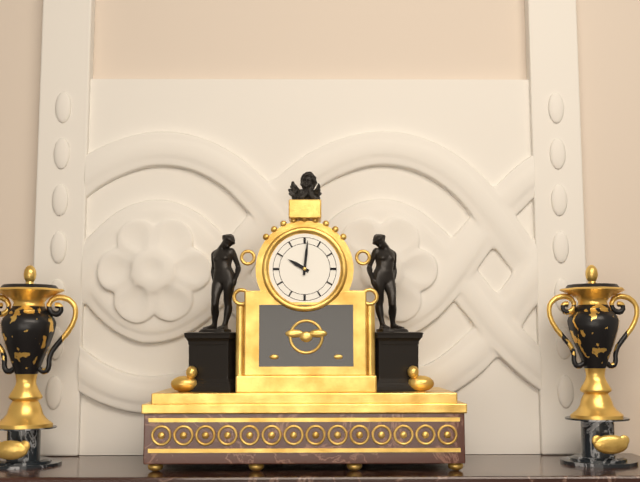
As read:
{"hour": 10, "minute": 1}
